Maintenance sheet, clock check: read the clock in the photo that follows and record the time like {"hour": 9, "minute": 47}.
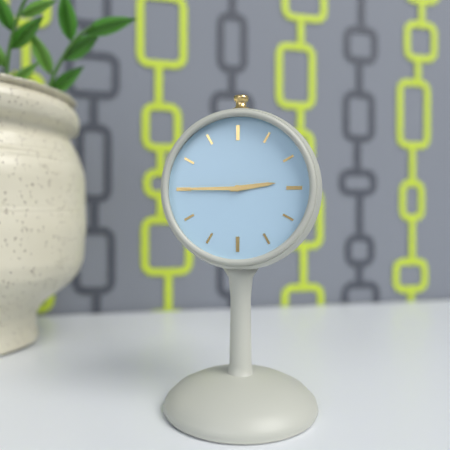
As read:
{"hour": 2, "minute": 45}
